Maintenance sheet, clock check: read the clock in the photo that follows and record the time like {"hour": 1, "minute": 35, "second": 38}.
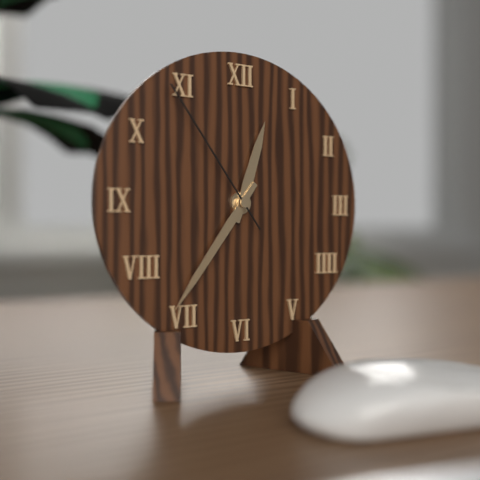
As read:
{"hour": 12, "minute": 36, "second": 54}
